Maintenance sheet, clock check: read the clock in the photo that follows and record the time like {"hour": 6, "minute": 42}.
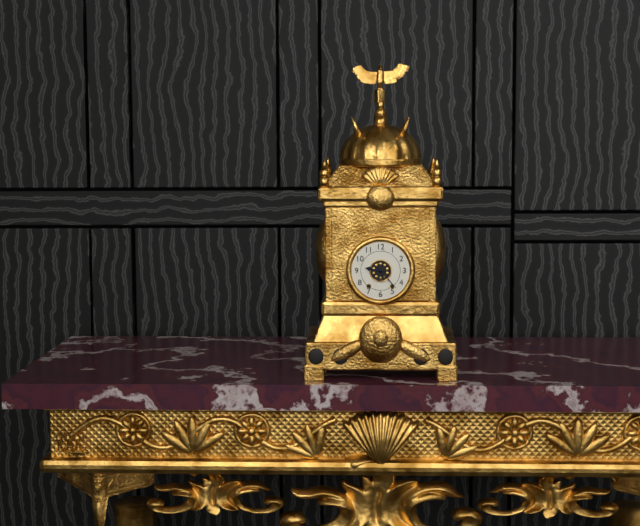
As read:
{"hour": 9, "minute": 23}
